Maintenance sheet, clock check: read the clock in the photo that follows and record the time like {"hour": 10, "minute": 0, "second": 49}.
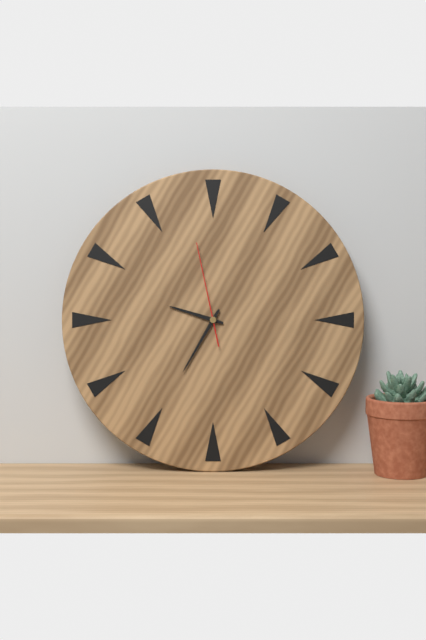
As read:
{"hour": 9, "minute": 35, "second": 58}
